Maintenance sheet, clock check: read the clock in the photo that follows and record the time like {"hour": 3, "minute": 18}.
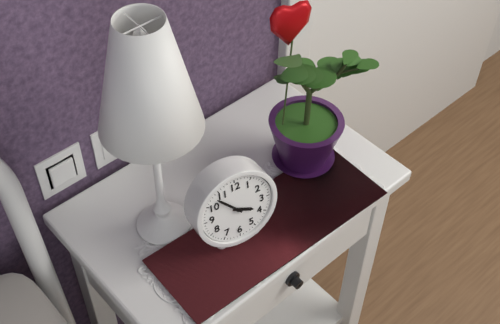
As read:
{"hour": 3, "minute": 53}
